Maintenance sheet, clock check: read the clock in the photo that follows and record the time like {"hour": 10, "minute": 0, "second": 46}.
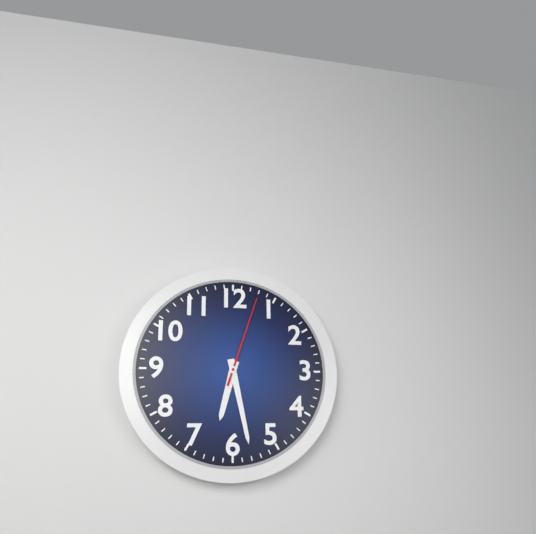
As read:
{"hour": 6, "minute": 28, "second": 3}
